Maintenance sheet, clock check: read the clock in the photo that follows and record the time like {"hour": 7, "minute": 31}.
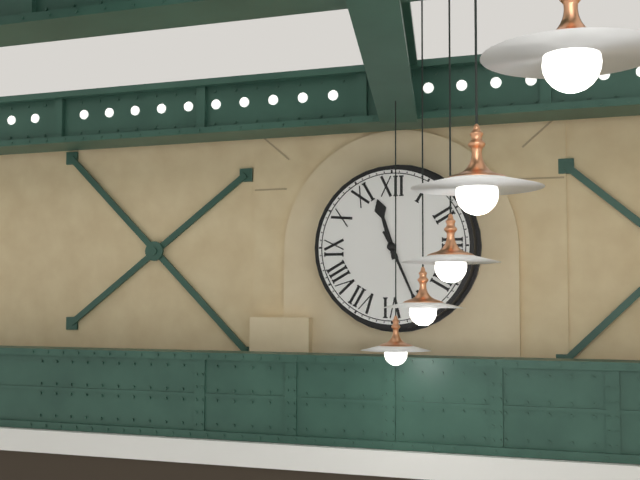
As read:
{"hour": 11, "minute": 26}
